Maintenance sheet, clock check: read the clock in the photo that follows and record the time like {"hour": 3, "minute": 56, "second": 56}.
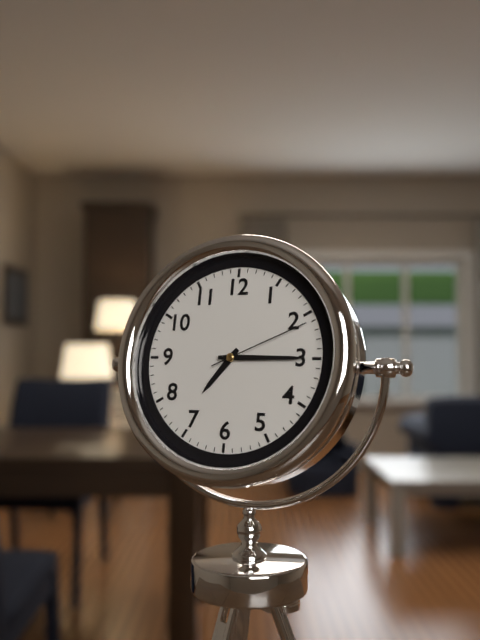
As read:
{"hour": 7, "minute": 15, "second": 11}
